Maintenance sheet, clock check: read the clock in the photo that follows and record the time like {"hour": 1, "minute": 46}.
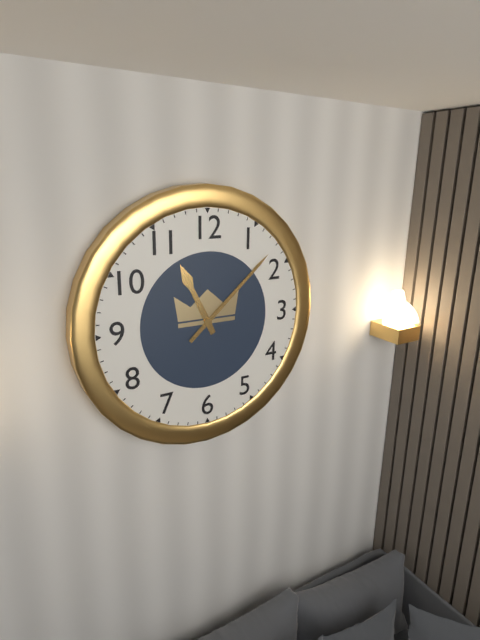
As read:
{"hour": 11, "minute": 8}
